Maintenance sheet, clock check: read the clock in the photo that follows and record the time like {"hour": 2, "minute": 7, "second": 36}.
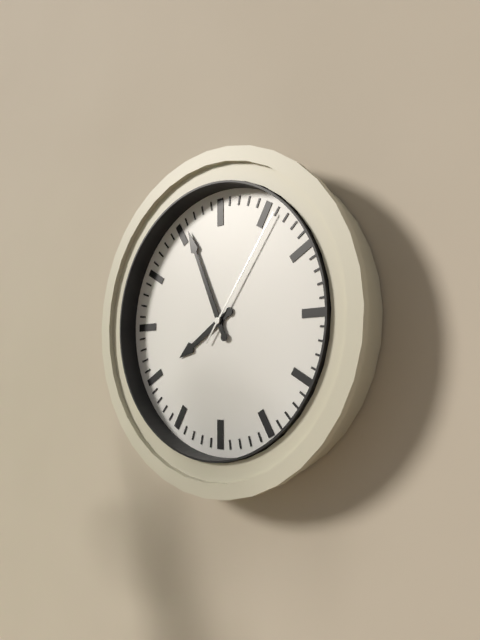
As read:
{"hour": 7, "minute": 56, "second": 6}
